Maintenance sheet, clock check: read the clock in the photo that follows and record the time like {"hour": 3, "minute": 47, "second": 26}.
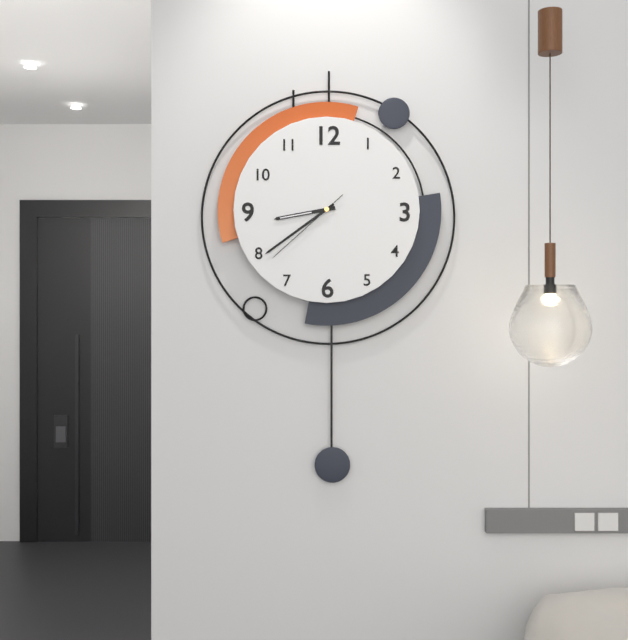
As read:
{"hour": 8, "minute": 39, "second": 38}
